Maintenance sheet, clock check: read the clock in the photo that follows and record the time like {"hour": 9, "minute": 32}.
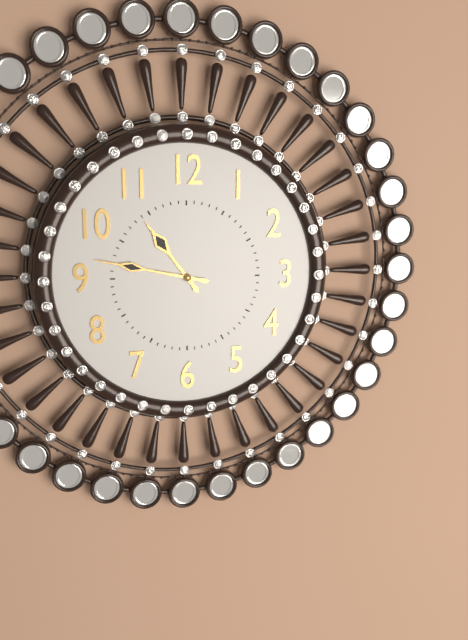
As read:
{"hour": 10, "minute": 47}
